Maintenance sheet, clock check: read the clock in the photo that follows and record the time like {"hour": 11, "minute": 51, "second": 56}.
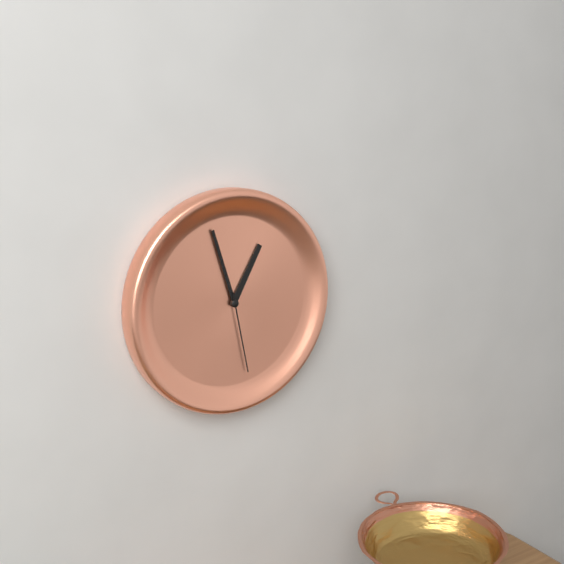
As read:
{"hour": 12, "minute": 57, "second": 28}
